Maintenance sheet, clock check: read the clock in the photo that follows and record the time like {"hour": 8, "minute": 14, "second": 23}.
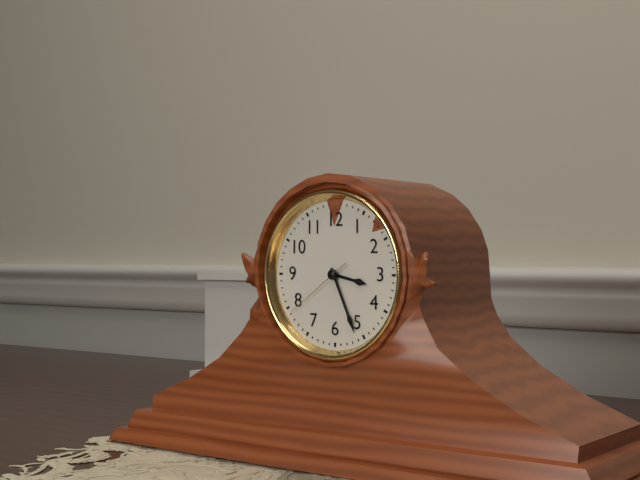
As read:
{"hour": 3, "minute": 26, "second": 39}
